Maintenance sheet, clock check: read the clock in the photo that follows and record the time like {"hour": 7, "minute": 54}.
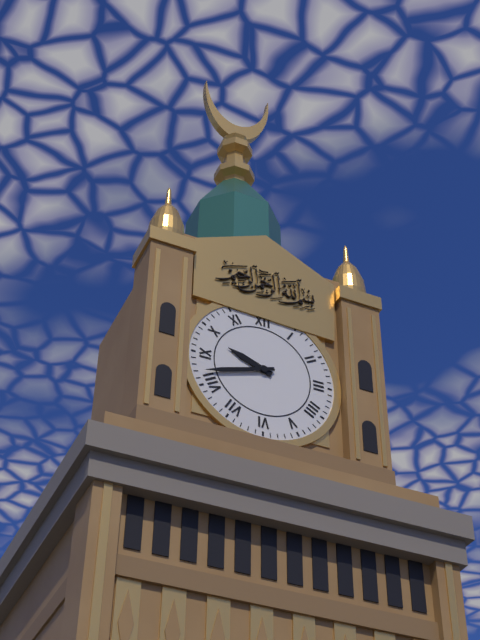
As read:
{"hour": 9, "minute": 42}
